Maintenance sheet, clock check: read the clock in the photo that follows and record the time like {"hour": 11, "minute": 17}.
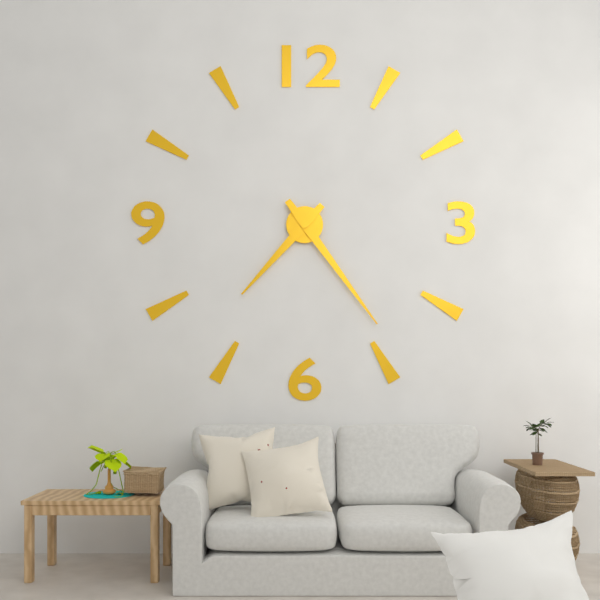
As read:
{"hour": 7, "minute": 24}
